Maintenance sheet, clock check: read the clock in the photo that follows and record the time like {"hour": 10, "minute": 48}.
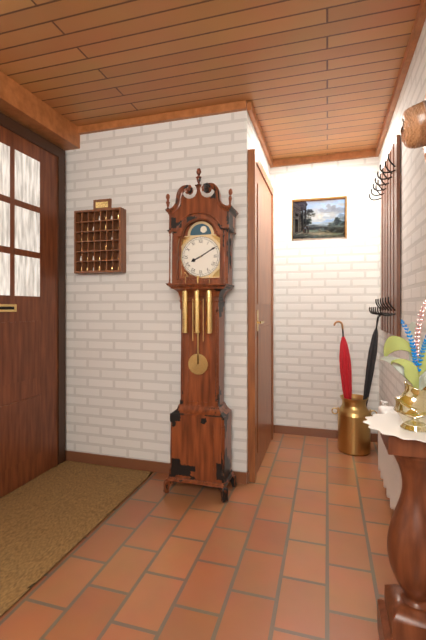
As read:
{"hour": 8, "minute": 10}
